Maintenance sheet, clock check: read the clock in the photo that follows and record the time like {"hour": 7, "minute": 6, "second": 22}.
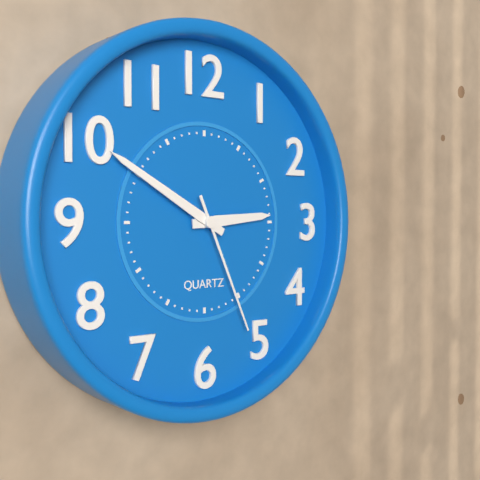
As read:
{"hour": 2, "minute": 50, "second": 26}
